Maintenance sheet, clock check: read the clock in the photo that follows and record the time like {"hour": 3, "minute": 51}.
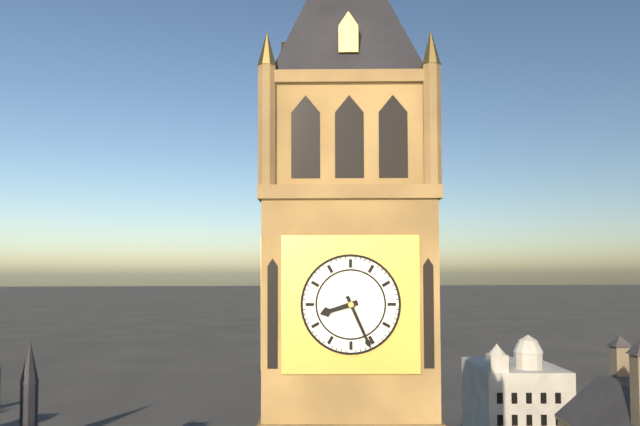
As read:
{"hour": 8, "minute": 26}
